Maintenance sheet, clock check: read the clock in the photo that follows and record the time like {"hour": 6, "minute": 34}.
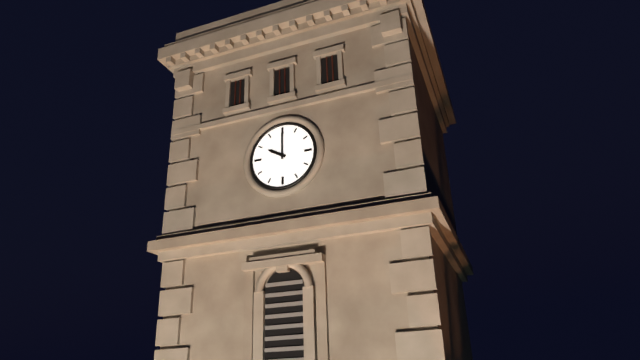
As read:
{"hour": 10, "minute": 0}
